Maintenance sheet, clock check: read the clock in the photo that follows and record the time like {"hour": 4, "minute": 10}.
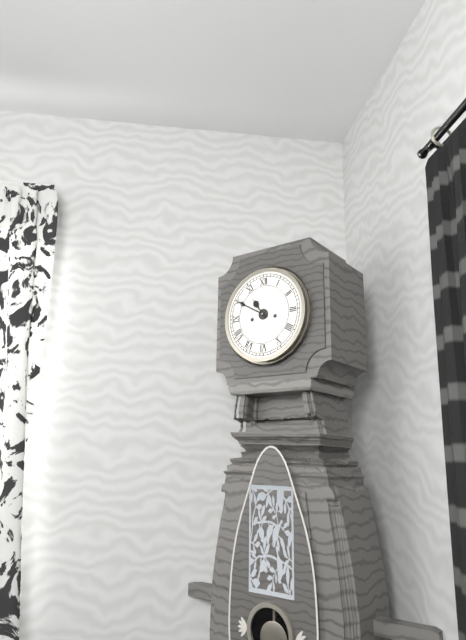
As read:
{"hour": 10, "minute": 50}
